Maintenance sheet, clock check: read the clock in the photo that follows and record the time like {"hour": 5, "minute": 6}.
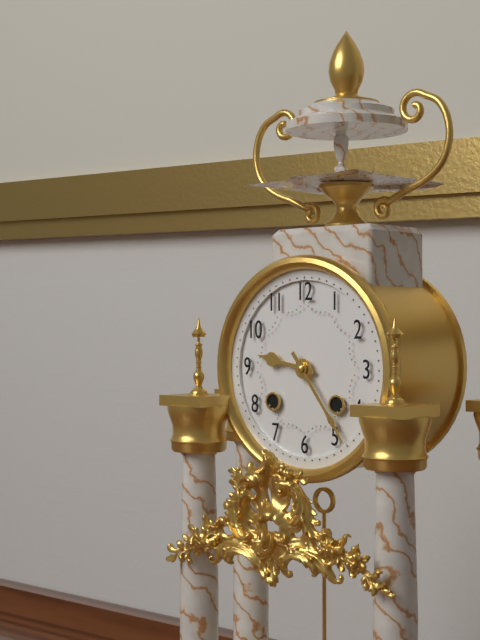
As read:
{"hour": 9, "minute": 24}
